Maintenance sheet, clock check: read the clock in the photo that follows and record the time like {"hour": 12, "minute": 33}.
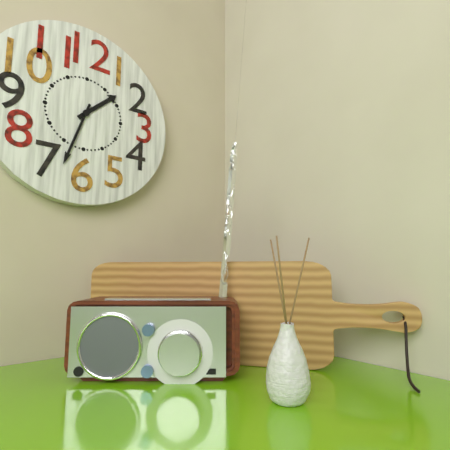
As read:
{"hour": 1, "minute": 33}
